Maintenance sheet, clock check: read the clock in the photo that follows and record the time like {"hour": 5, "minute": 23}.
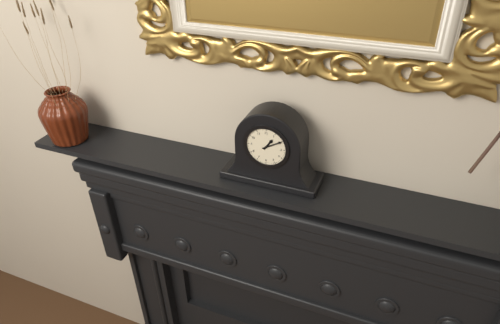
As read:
{"hour": 1, "minute": 10}
